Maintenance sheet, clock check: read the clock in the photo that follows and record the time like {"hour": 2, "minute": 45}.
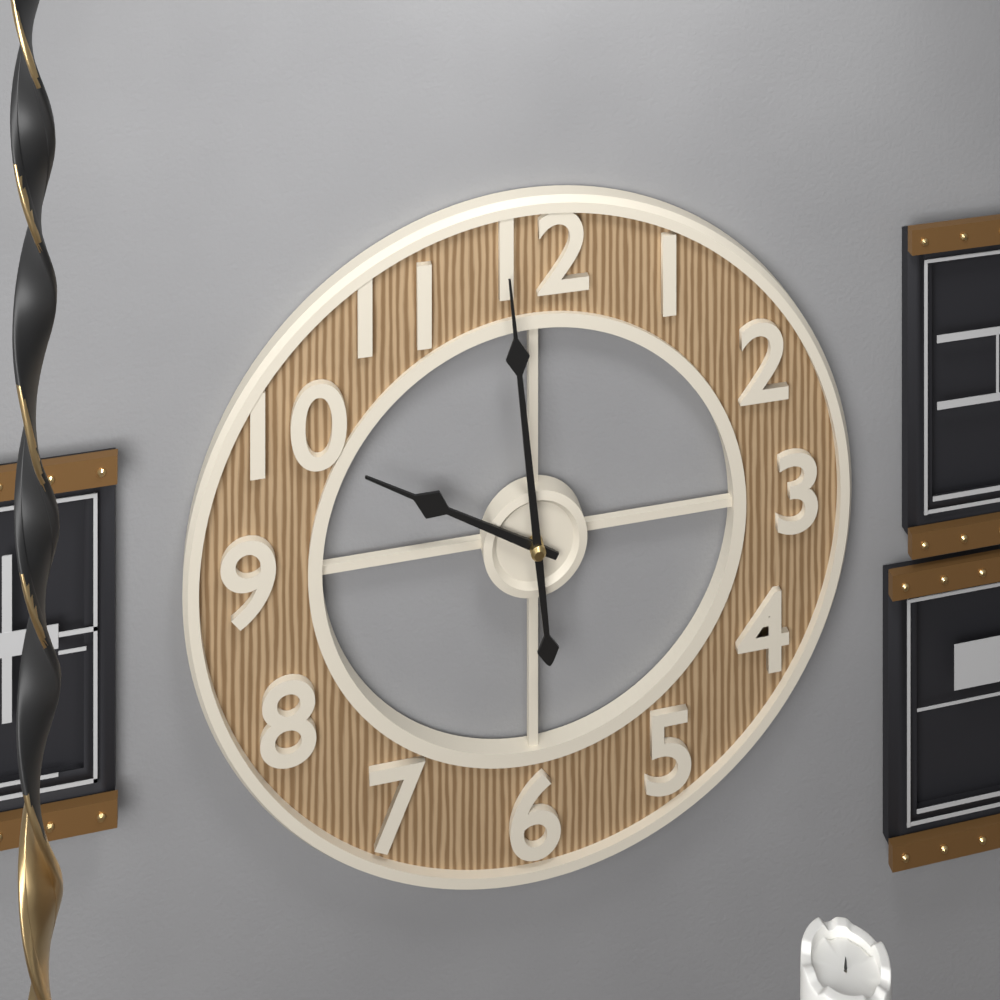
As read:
{"hour": 9, "minute": 59}
